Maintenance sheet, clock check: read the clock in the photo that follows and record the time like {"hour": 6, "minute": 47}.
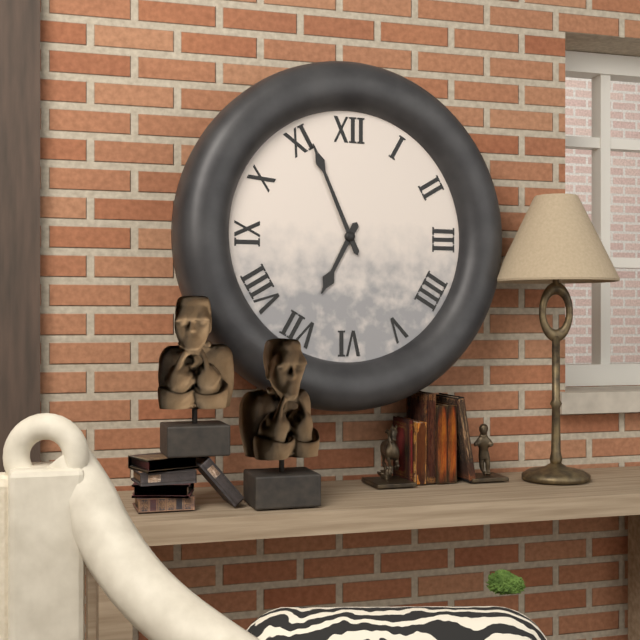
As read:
{"hour": 6, "minute": 56}
